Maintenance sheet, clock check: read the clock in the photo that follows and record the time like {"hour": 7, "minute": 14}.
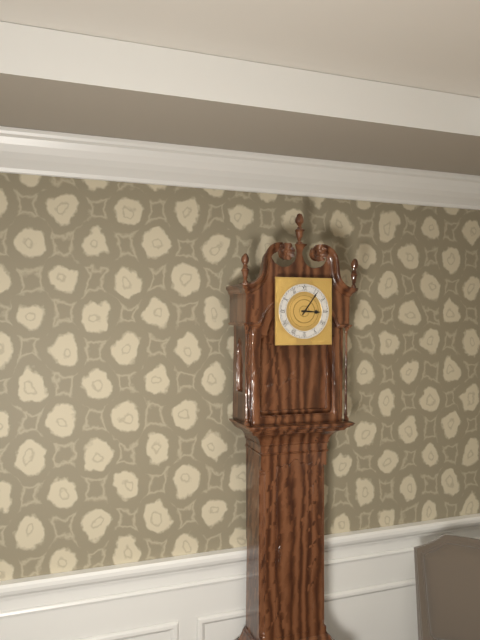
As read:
{"hour": 3, "minute": 6}
